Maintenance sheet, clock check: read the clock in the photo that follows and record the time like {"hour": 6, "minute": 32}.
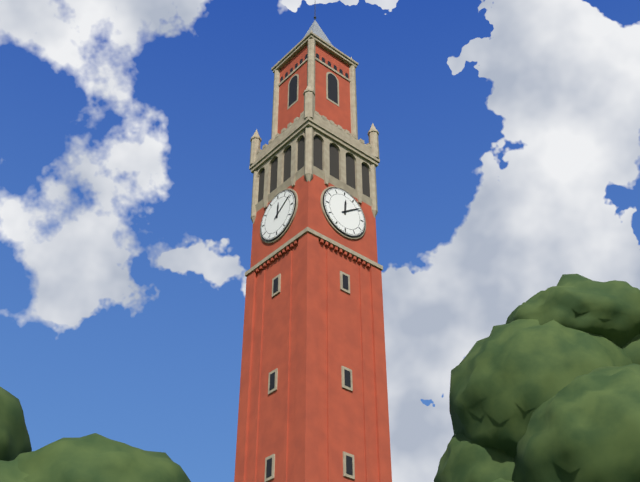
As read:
{"hour": 12, "minute": 9}
